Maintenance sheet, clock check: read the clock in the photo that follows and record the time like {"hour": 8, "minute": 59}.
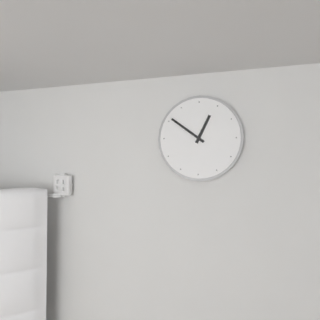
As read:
{"hour": 12, "minute": 51}
